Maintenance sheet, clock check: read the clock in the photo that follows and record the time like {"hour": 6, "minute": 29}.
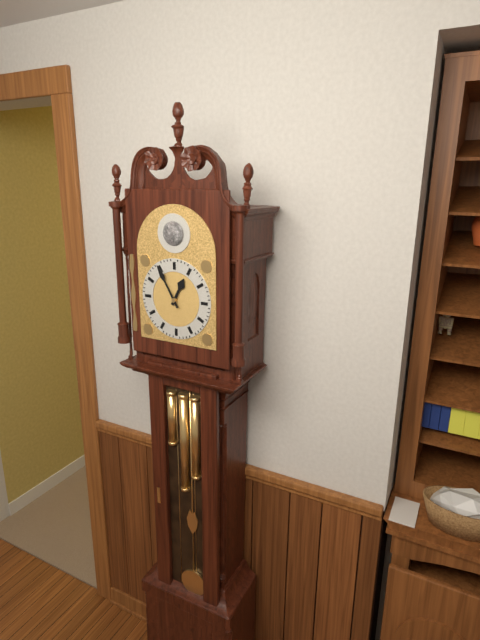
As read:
{"hour": 12, "minute": 55}
